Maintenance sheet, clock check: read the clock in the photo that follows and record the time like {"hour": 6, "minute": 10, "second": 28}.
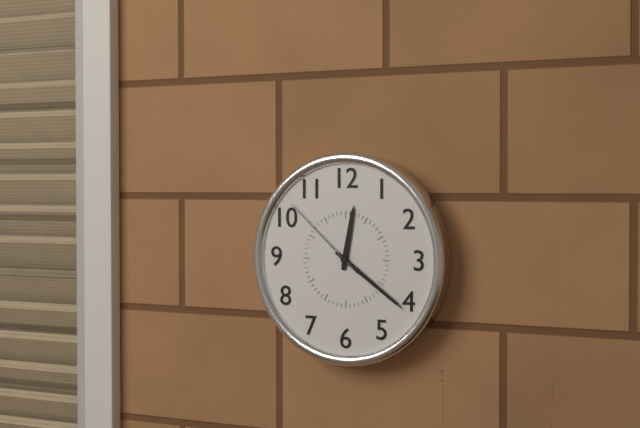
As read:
{"hour": 12, "minute": 21, "second": 52}
